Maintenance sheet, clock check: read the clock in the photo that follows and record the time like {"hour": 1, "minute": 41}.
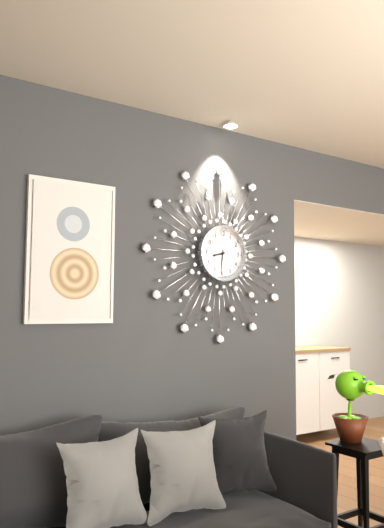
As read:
{"hour": 8, "minute": 31}
